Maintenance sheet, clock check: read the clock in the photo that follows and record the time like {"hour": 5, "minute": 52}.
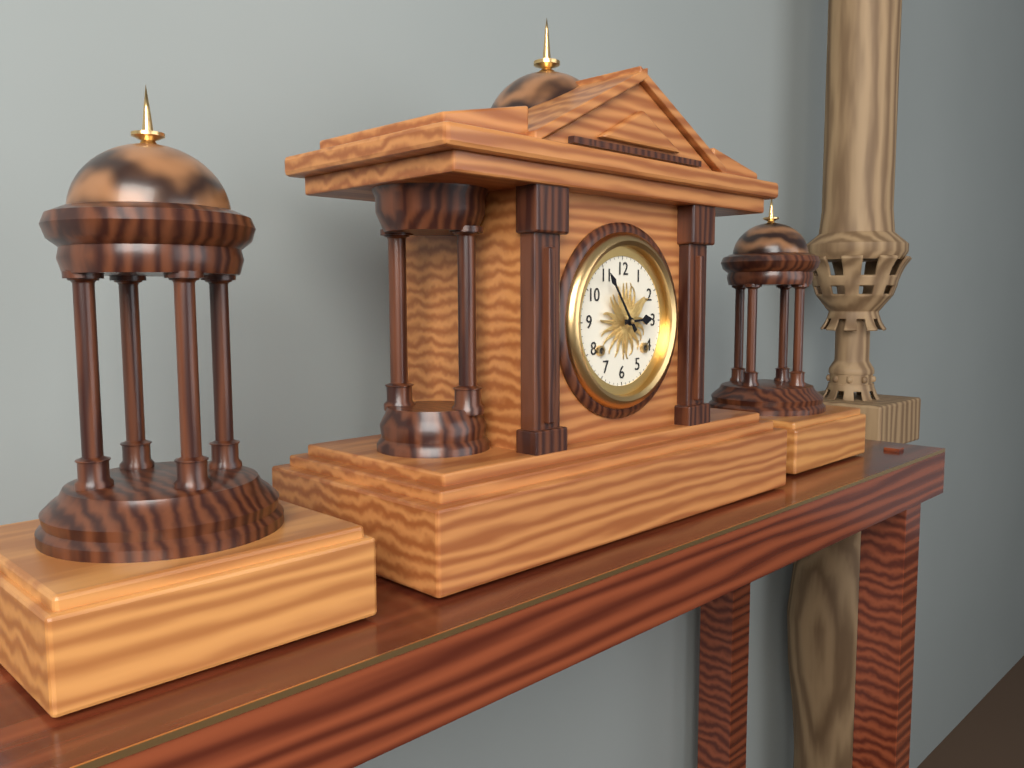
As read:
{"hour": 2, "minute": 54}
